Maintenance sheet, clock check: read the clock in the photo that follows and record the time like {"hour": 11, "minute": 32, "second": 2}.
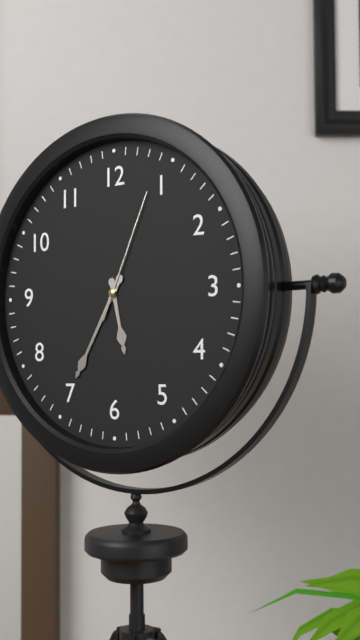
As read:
{"hour": 5, "minute": 35, "second": 4}
